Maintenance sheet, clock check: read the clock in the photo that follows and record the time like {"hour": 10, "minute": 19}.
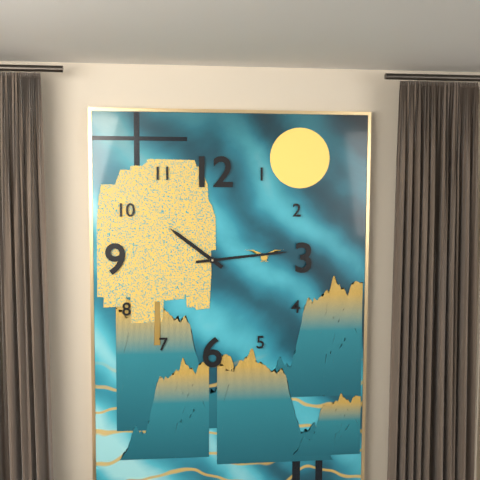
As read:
{"hour": 10, "minute": 14}
